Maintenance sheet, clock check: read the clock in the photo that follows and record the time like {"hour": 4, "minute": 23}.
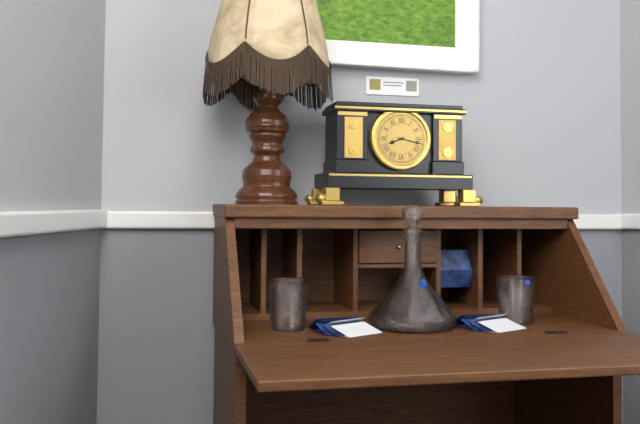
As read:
{"hour": 8, "minute": 17}
